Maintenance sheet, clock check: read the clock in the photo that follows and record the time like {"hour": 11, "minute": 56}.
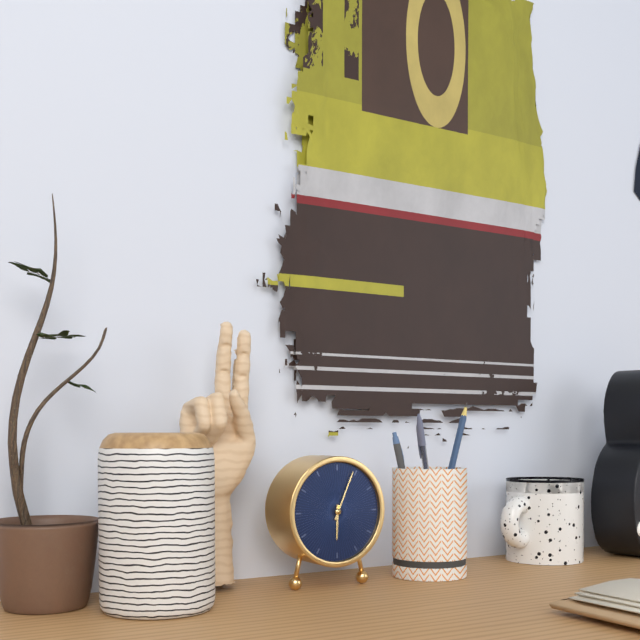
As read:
{"hour": 6, "minute": 4}
